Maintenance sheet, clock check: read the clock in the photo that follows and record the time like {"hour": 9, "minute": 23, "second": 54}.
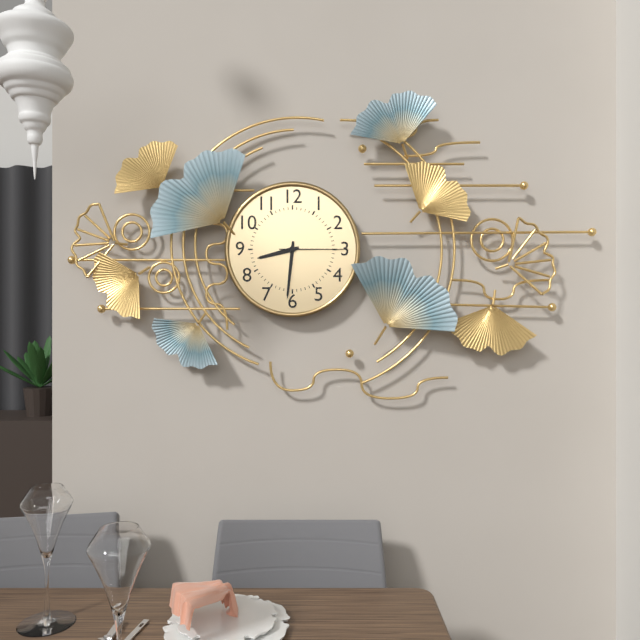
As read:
{"hour": 8, "minute": 31, "second": 15}
